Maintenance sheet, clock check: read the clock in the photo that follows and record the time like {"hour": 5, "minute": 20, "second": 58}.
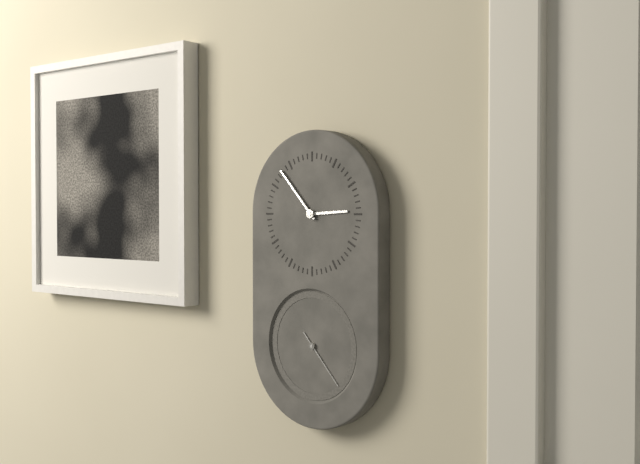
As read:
{"hour": 2, "minute": 53, "second": 23}
